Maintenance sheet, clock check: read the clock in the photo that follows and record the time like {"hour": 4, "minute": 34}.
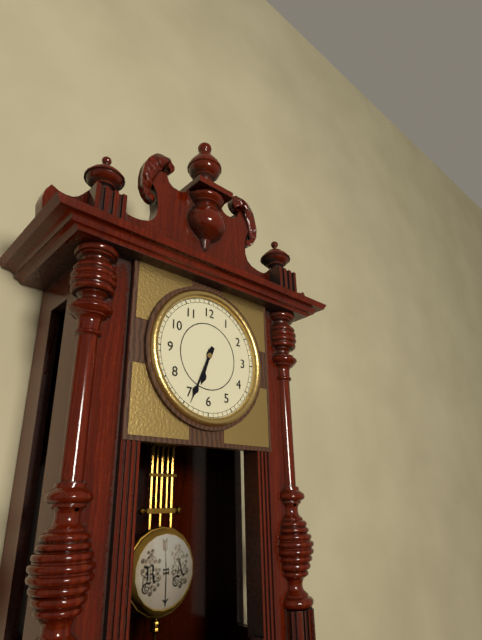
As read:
{"hour": 6, "minute": 34}
